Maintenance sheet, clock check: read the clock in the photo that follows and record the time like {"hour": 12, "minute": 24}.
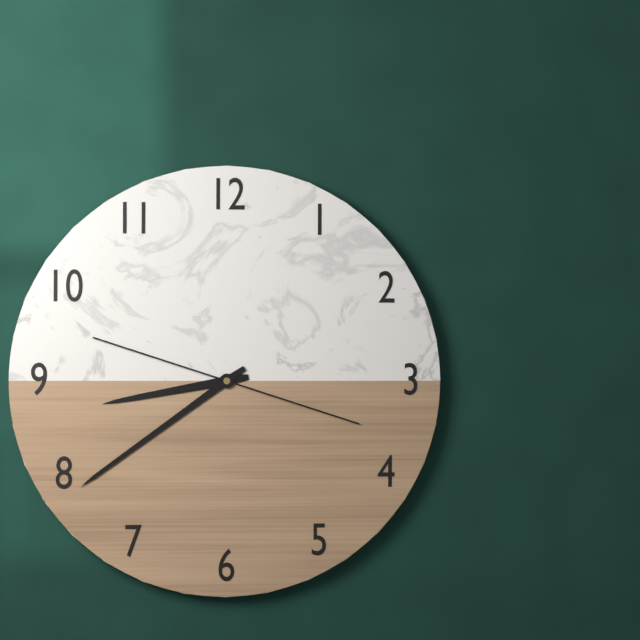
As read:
{"hour": 8, "minute": 39}
